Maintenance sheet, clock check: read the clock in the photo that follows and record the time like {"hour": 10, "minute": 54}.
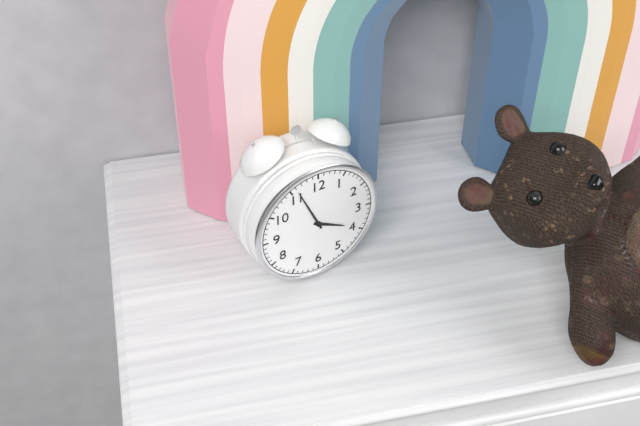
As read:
{"hour": 3, "minute": 56}
